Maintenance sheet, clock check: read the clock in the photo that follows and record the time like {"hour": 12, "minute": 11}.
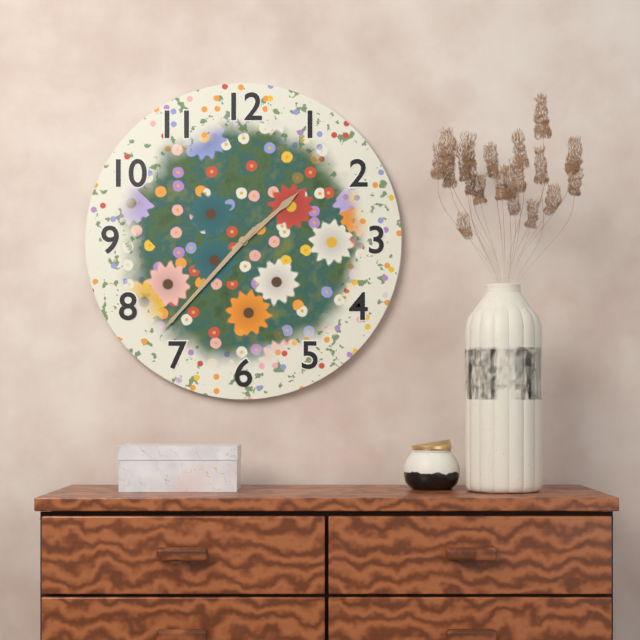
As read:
{"hour": 1, "minute": 37}
